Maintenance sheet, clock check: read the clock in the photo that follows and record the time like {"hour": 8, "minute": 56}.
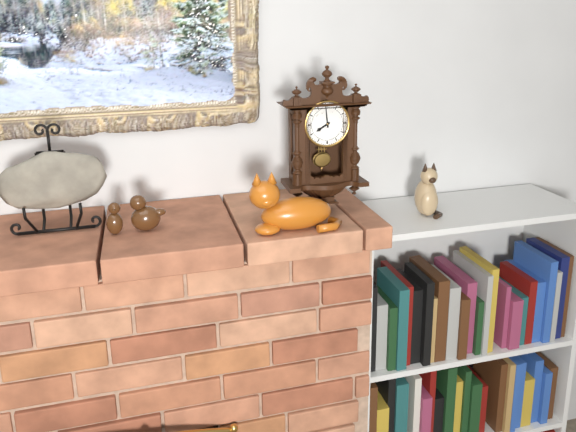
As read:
{"hour": 7, "minute": 59}
